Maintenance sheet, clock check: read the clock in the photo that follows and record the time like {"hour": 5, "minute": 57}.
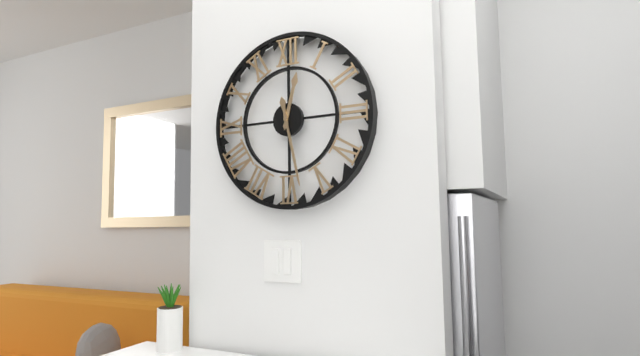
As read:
{"hour": 12, "minute": 28}
